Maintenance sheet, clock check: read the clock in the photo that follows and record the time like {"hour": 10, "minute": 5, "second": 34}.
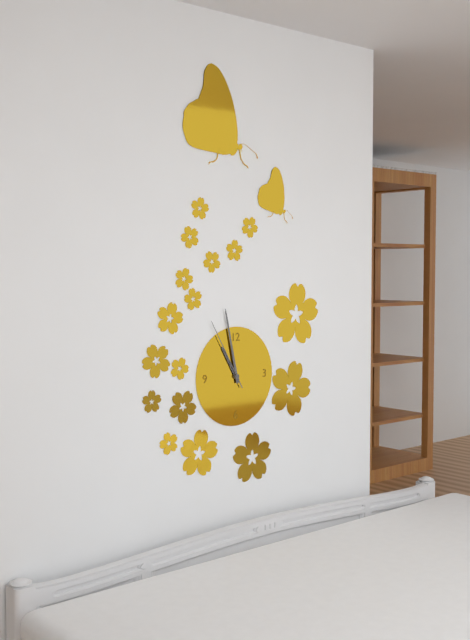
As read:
{"hour": 10, "minute": 58, "second": 55}
